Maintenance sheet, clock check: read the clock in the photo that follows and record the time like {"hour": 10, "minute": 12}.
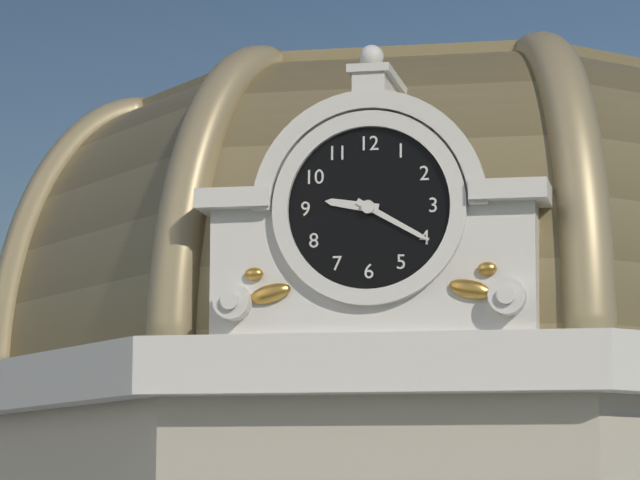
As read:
{"hour": 9, "minute": 20}
